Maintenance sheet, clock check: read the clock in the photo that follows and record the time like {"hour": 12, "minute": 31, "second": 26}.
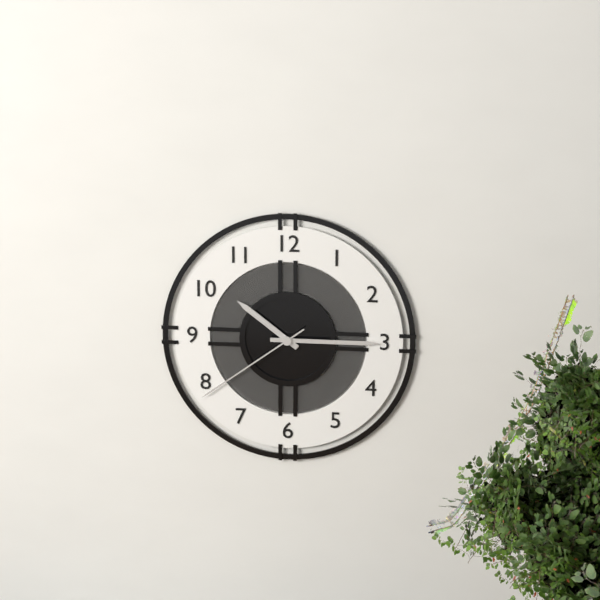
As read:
{"hour": 10, "minute": 15, "second": 39}
